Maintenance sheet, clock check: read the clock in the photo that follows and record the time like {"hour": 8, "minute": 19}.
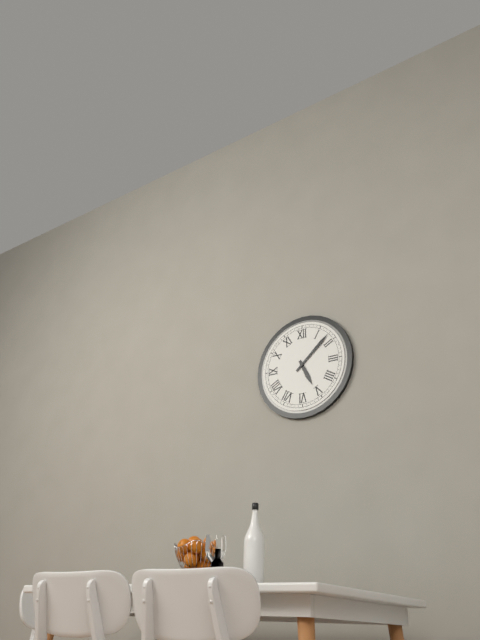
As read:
{"hour": 5, "minute": 8}
